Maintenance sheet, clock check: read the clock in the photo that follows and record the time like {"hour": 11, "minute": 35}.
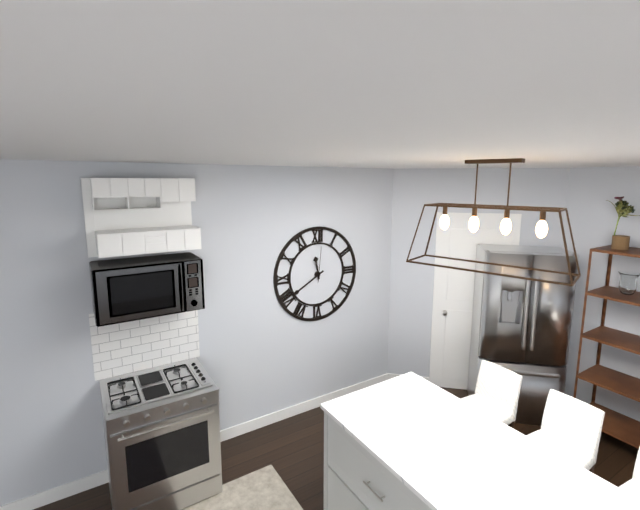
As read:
{"hour": 11, "minute": 40}
